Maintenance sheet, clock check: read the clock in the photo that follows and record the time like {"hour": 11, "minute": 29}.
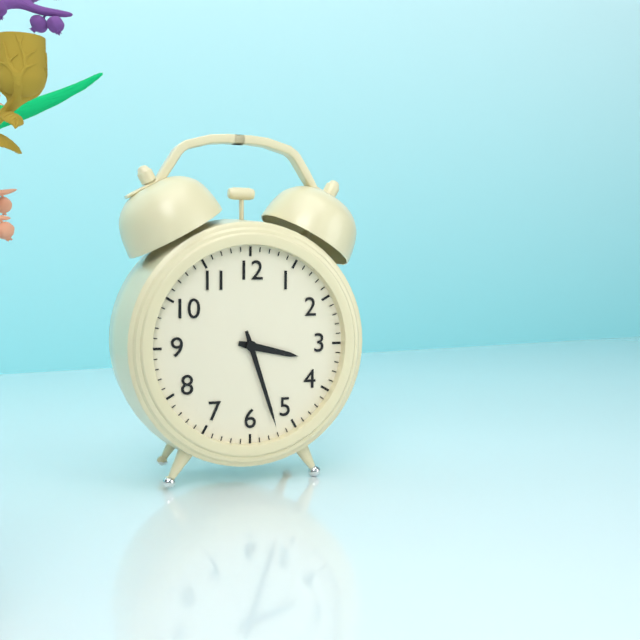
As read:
{"hour": 3, "minute": 27}
